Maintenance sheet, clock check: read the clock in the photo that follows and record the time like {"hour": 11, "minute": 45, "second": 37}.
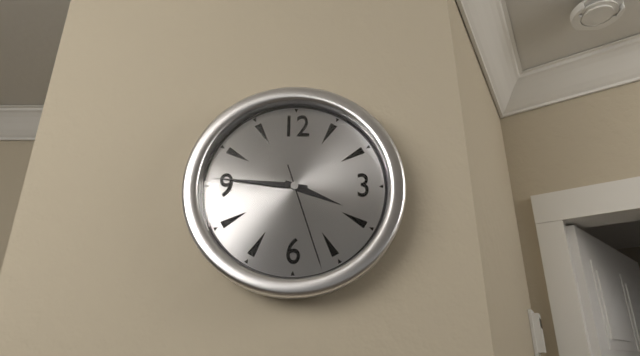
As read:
{"hour": 3, "minute": 46, "second": 27}
